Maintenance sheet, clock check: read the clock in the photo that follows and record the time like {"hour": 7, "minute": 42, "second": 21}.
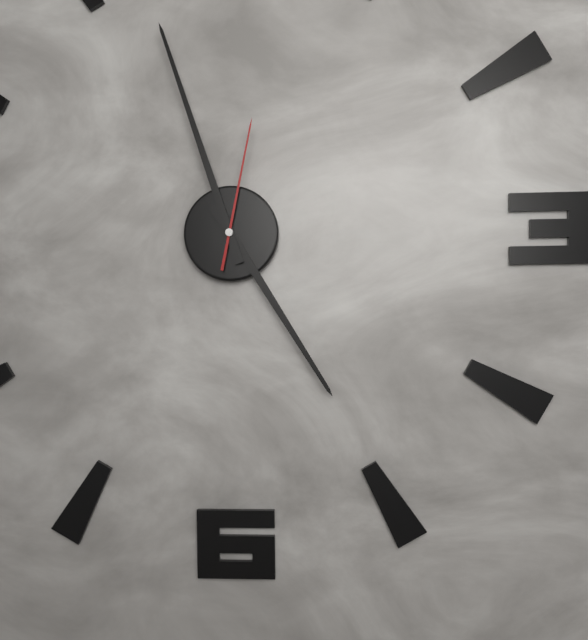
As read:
{"hour": 4, "minute": 57, "second": 2}
